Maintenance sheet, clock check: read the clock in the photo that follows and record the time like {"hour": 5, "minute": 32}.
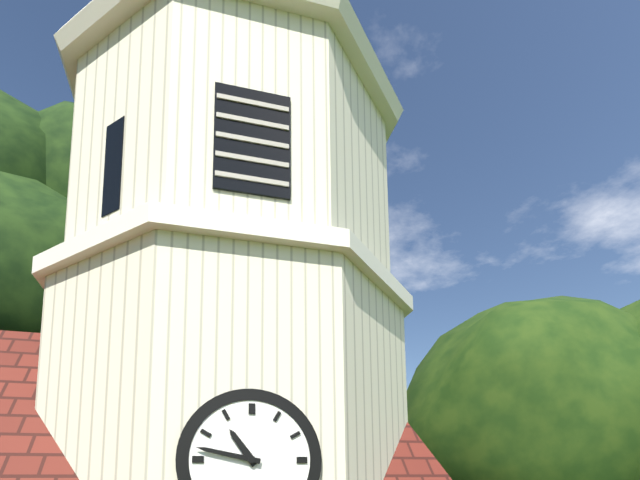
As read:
{"hour": 10, "minute": 47}
